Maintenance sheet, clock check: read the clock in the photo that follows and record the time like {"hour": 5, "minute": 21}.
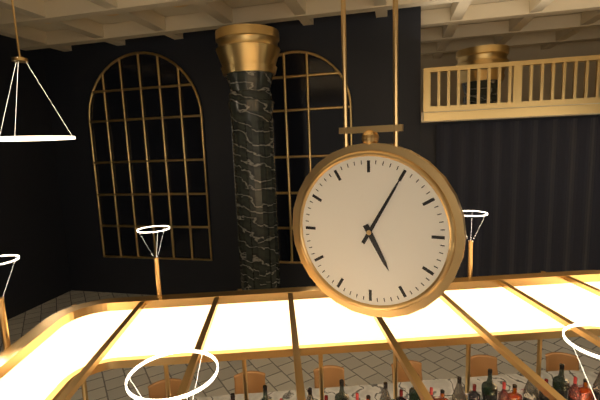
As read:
{"hour": 5, "minute": 5}
